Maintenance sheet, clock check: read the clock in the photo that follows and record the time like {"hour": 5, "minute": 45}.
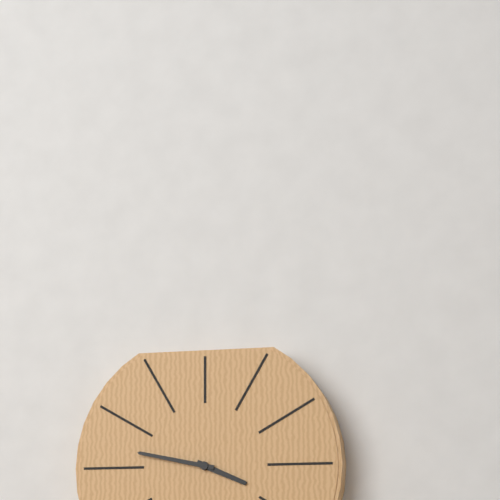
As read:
{"hour": 3, "minute": 47}
